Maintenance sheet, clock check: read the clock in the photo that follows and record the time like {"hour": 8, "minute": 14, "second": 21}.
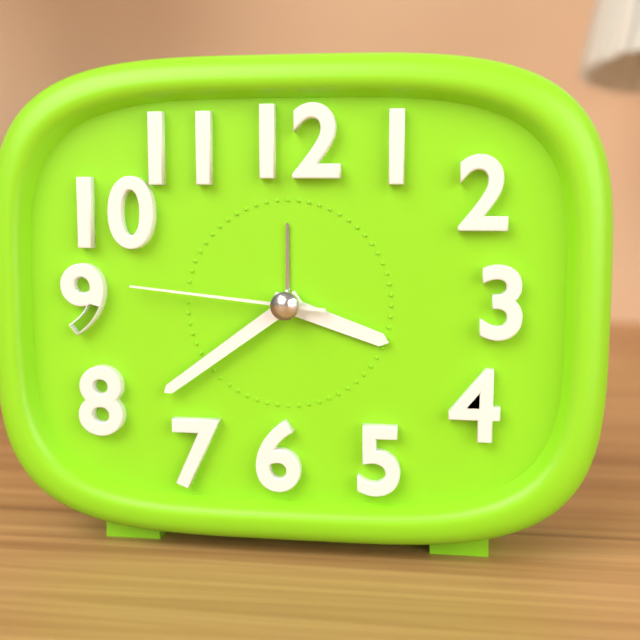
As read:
{"hour": 3, "minute": 39, "second": 46}
